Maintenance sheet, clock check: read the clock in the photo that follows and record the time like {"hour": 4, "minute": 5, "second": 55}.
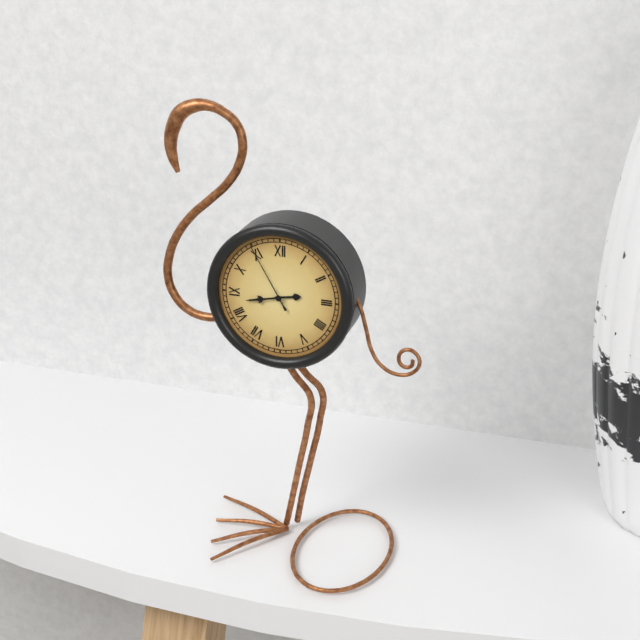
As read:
{"hour": 2, "minute": 43, "second": 55}
